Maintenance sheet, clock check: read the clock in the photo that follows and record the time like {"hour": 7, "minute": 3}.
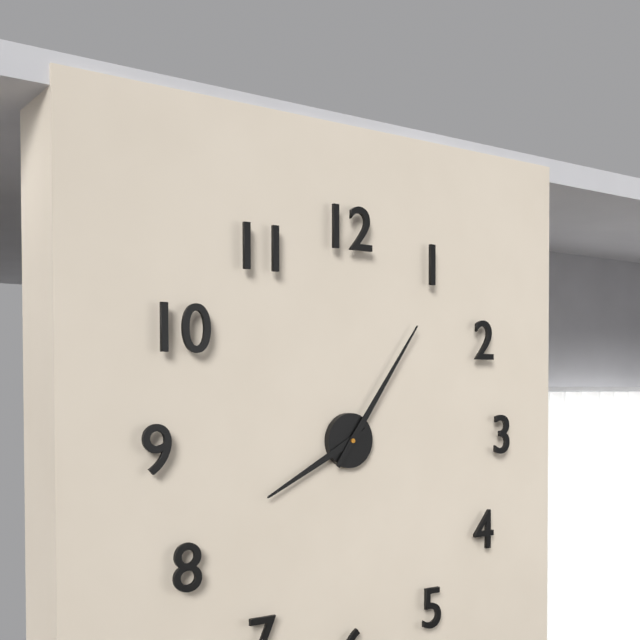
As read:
{"hour": 8, "minute": 6}
